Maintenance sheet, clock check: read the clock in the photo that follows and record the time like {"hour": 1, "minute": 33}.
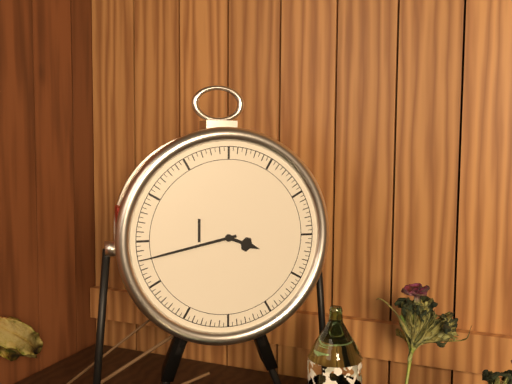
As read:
{"hour": 3, "minute": 43}
